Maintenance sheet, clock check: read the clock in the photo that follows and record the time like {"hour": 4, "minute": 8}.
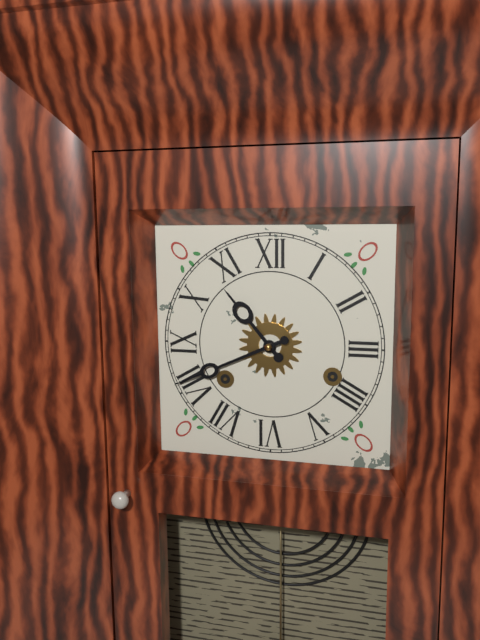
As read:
{"hour": 10, "minute": 41}
